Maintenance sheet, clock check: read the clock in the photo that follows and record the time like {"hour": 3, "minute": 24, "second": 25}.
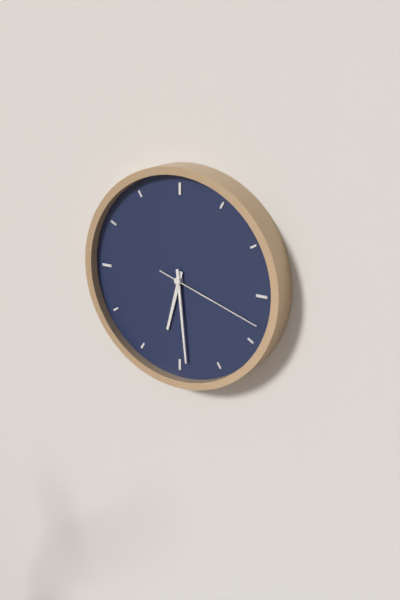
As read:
{"hour": 6, "minute": 29, "second": 18}
